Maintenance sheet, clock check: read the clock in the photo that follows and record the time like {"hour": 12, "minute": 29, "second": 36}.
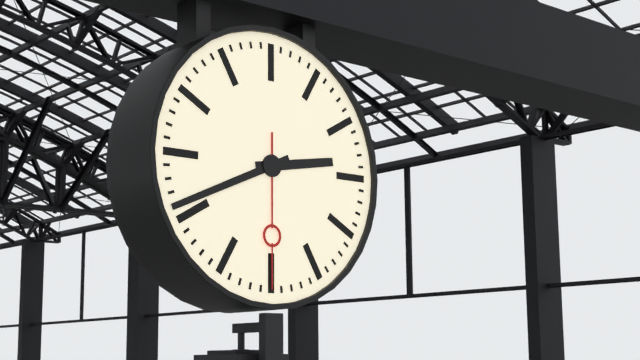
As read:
{"hour": 2, "minute": 41, "second": 30}
